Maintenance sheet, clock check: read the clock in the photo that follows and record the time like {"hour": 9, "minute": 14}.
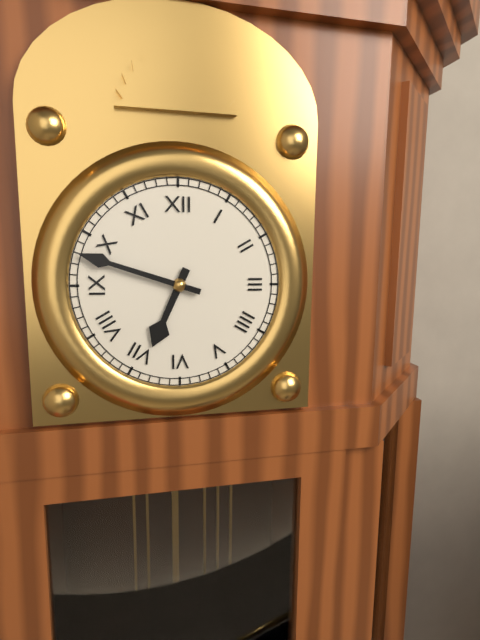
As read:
{"hour": 6, "minute": 48}
